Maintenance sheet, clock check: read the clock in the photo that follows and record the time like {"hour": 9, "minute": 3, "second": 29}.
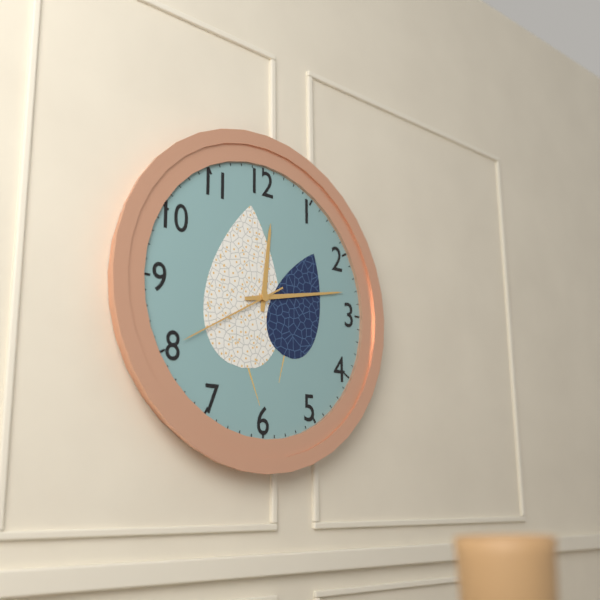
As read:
{"hour": 12, "minute": 13, "second": 40}
